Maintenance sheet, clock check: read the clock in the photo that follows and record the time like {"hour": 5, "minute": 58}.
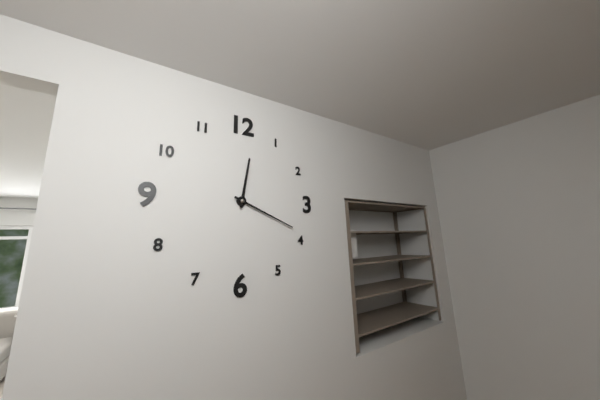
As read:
{"hour": 12, "minute": 19}
